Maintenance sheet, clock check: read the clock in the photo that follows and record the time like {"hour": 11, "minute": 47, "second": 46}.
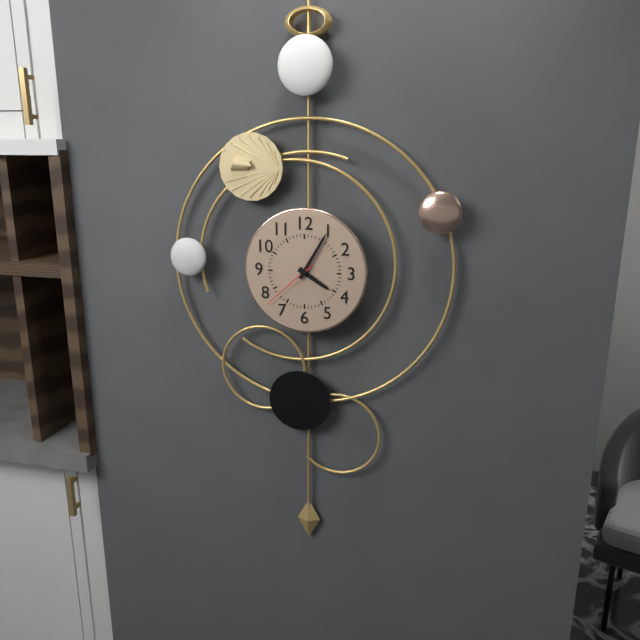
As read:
{"hour": 4, "minute": 5, "second": 38}
